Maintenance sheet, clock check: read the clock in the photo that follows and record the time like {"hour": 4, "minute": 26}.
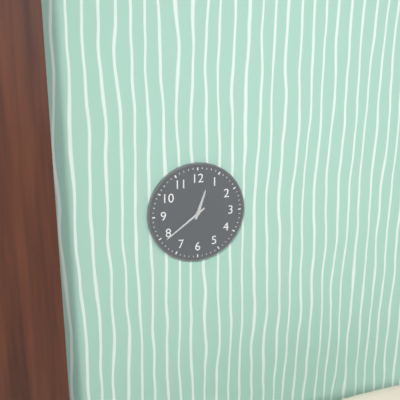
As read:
{"hour": 12, "minute": 39}
